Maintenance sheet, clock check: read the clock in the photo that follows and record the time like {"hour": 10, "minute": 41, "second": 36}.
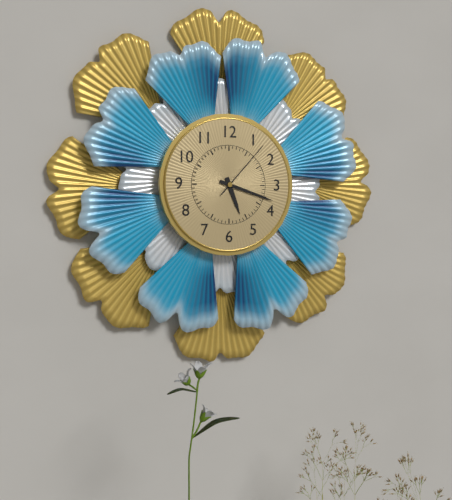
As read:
{"hour": 5, "minute": 18, "second": 7}
